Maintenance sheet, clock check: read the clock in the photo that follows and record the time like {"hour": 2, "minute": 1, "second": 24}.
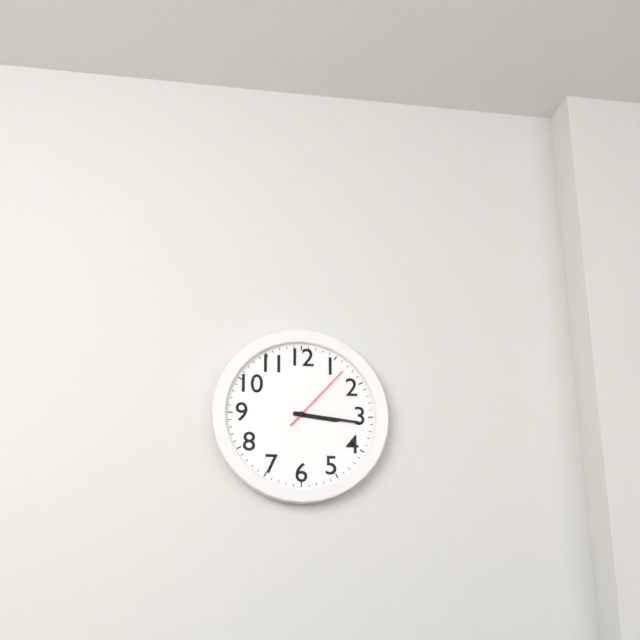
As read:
{"hour": 3, "minute": 16, "second": 7}
